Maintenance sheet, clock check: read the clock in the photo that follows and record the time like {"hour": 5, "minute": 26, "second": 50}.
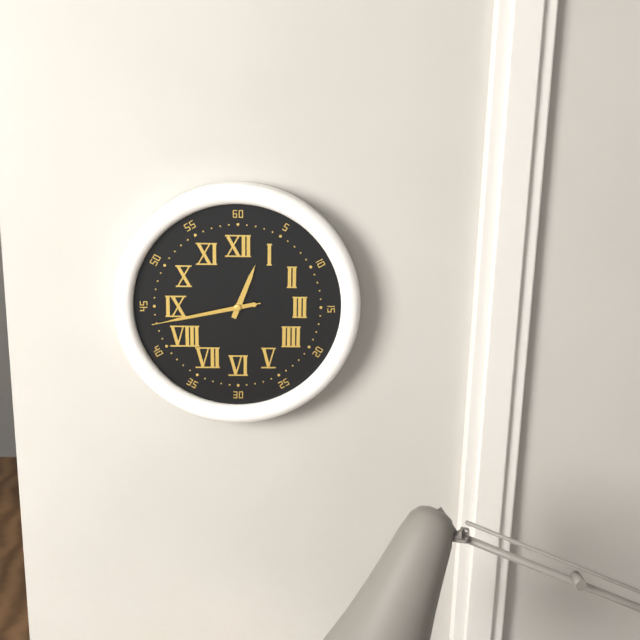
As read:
{"hour": 12, "minute": 43, "second": 43}
